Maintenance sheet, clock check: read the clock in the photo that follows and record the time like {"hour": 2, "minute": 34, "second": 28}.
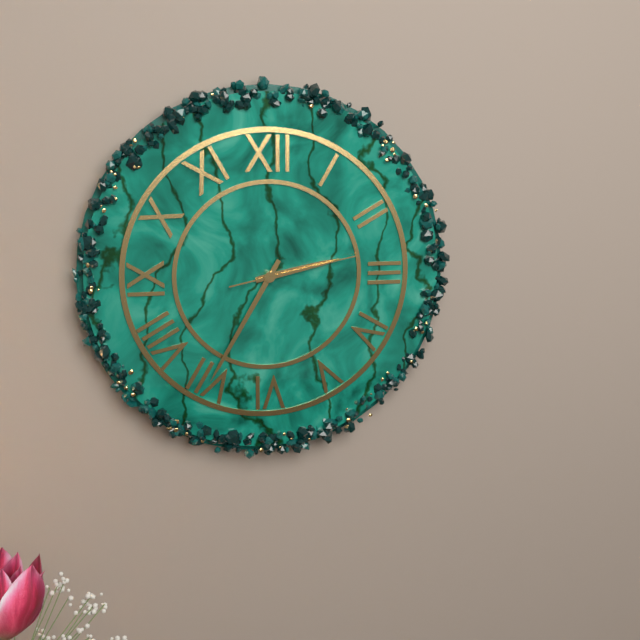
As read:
{"hour": 2, "minute": 35, "second": 13}
